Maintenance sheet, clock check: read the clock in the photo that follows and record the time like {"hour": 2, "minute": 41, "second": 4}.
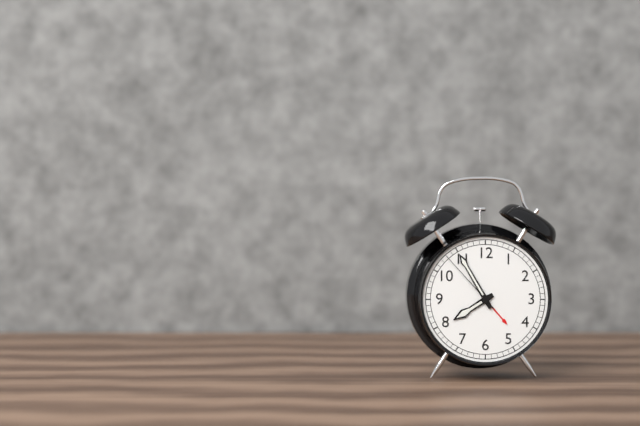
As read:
{"hour": 7, "minute": 55, "second": 53}
